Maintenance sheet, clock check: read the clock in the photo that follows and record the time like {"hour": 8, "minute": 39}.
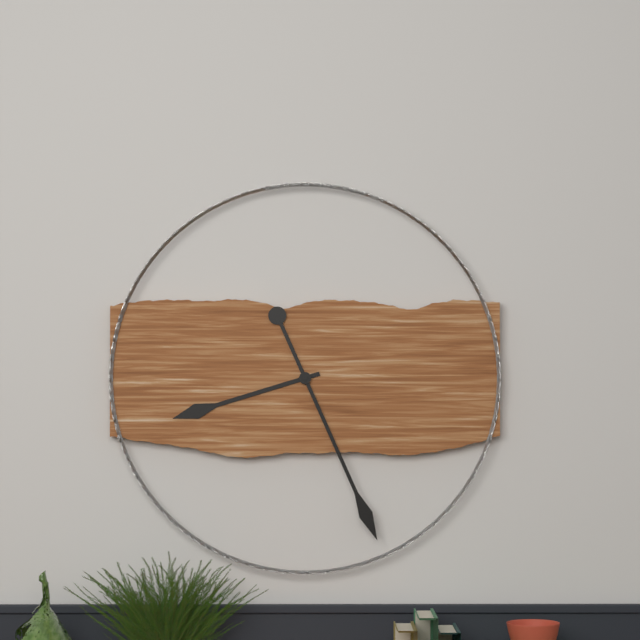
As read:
{"hour": 8, "minute": 26}
